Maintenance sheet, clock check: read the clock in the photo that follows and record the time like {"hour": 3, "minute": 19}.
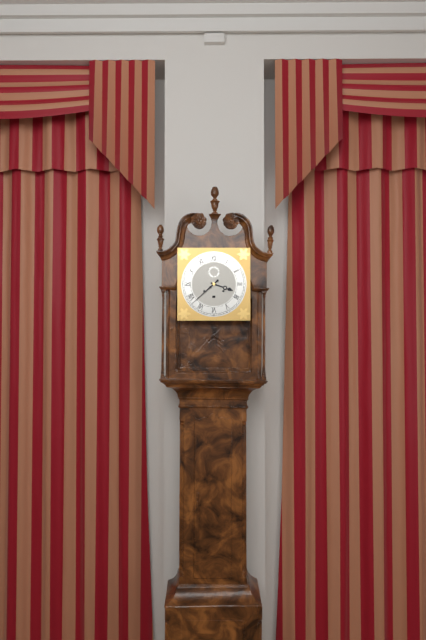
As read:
{"hour": 3, "minute": 38}
